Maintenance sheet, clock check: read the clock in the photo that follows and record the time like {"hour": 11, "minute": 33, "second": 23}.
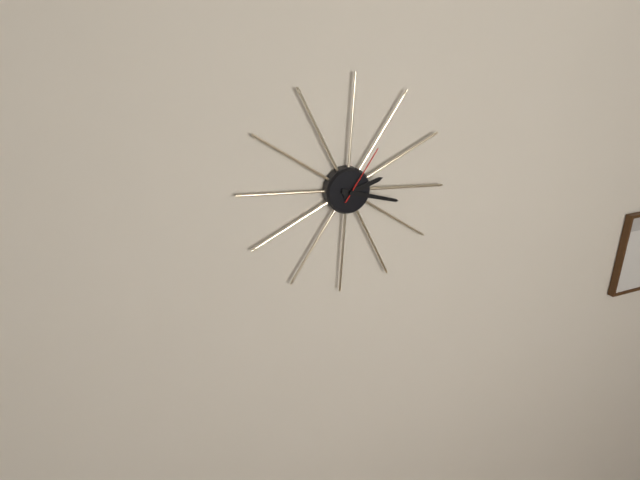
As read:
{"hour": 2, "minute": 17, "second": 5}
